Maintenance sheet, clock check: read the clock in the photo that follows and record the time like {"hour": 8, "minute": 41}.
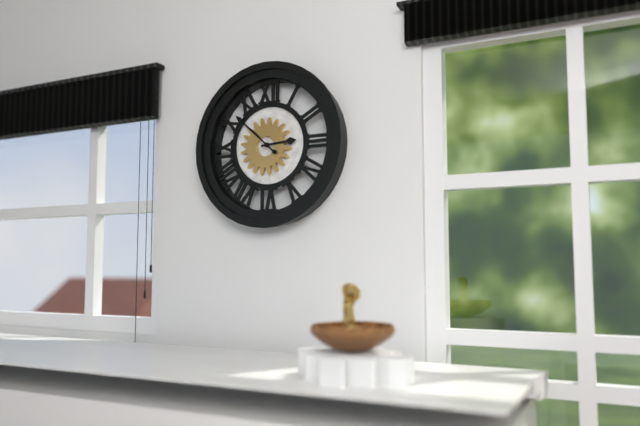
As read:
{"hour": 2, "minute": 52}
